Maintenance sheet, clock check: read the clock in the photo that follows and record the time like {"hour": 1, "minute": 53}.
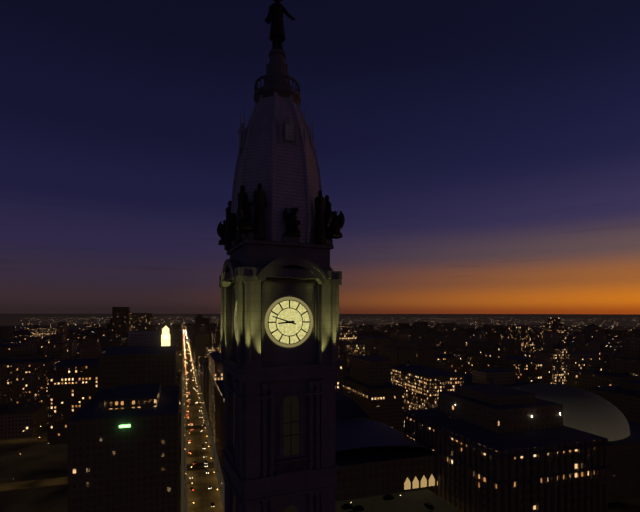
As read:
{"hour": 8, "minute": 48}
